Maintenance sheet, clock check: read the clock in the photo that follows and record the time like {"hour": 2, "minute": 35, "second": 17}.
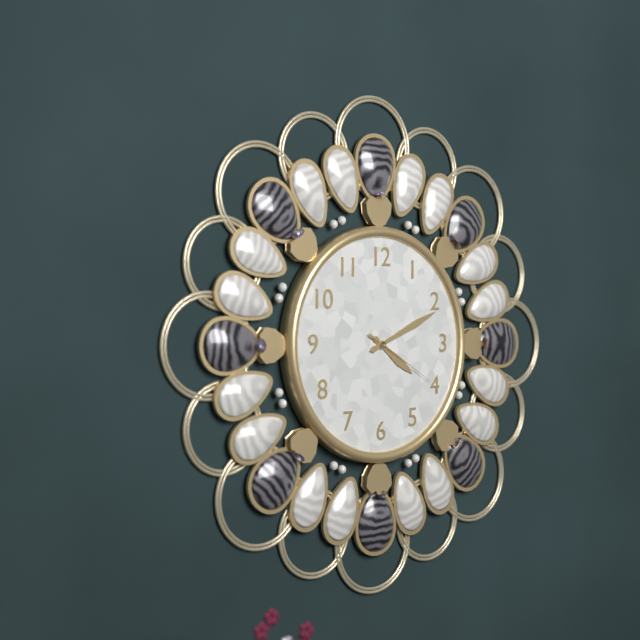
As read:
{"hour": 4, "minute": 11, "second": 20}
